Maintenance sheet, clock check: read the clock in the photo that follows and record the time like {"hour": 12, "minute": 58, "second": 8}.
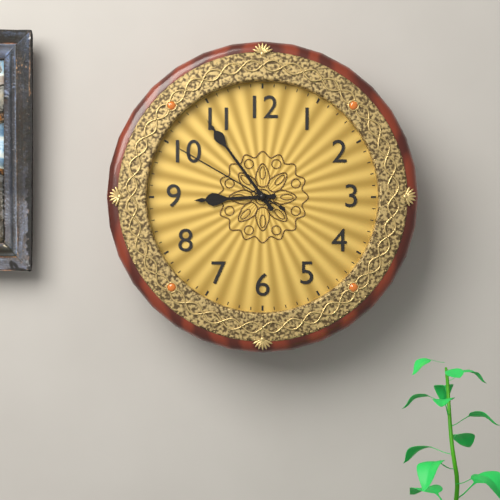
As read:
{"hour": 8, "minute": 54, "second": 50}
